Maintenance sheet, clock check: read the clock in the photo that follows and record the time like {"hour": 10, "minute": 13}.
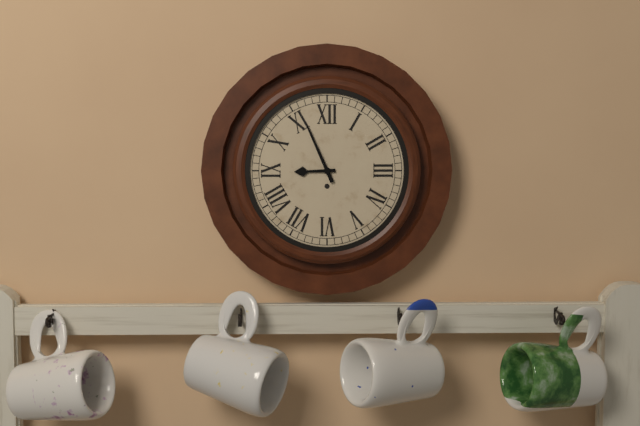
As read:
{"hour": 8, "minute": 56}
